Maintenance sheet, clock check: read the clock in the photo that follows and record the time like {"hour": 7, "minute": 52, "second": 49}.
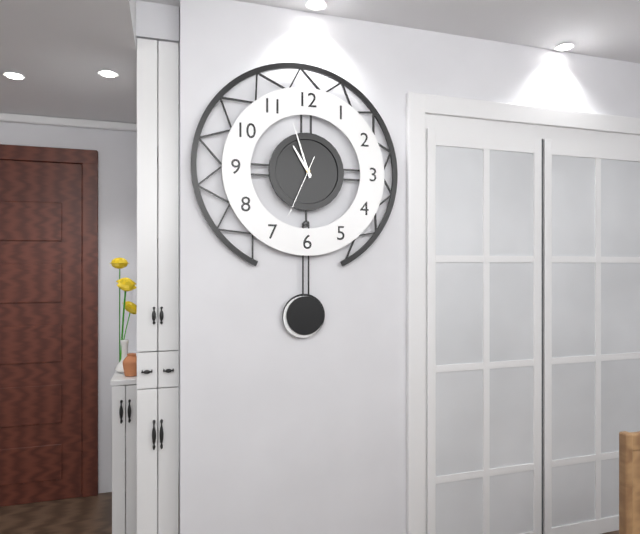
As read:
{"hour": 10, "minute": 57, "second": 34}
